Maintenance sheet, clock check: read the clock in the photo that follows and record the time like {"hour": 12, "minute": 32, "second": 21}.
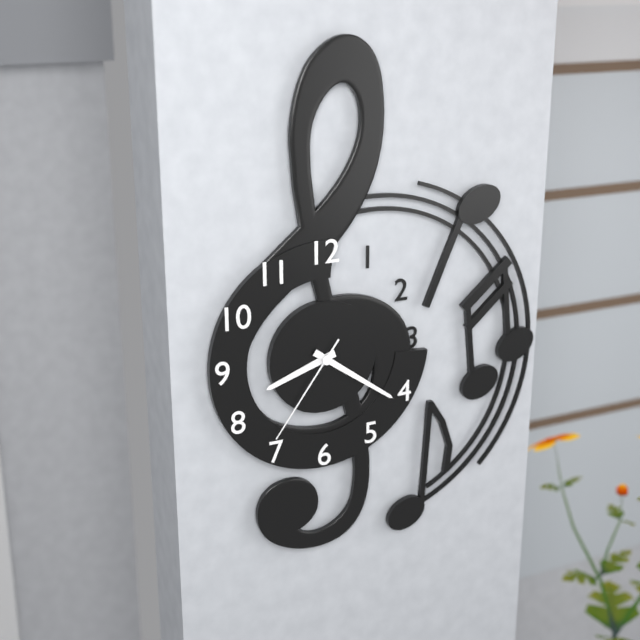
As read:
{"hour": 8, "minute": 21, "second": 36}
